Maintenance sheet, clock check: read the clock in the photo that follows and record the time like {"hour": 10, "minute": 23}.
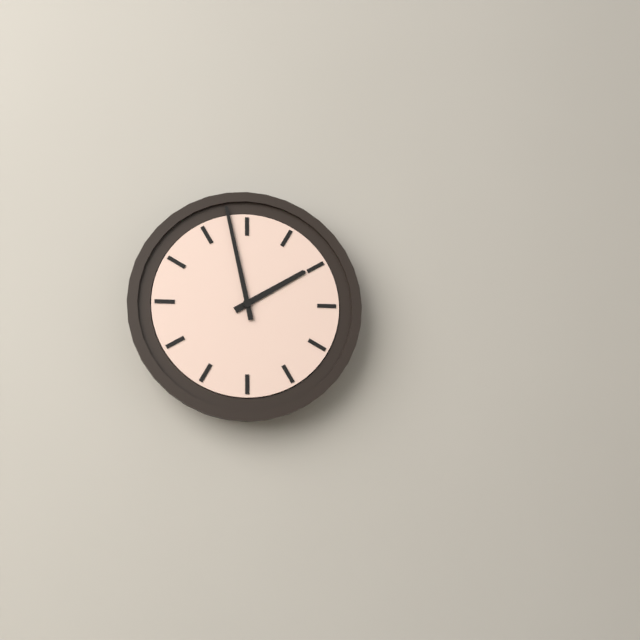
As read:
{"hour": 1, "minute": 58}
